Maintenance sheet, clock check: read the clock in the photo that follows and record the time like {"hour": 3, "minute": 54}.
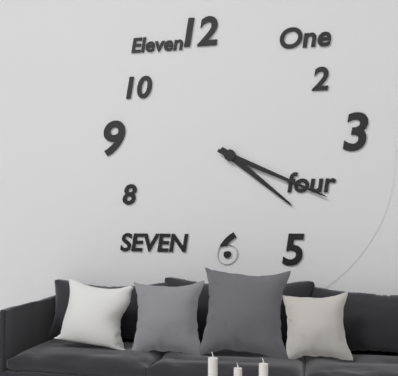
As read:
{"hour": 4, "minute": 19}
